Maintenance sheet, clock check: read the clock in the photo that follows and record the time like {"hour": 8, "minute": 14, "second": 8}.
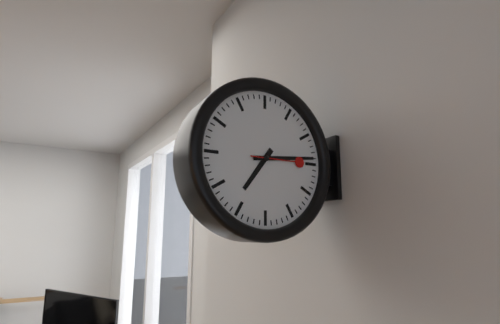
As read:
{"hour": 7, "minute": 14, "second": 15}
